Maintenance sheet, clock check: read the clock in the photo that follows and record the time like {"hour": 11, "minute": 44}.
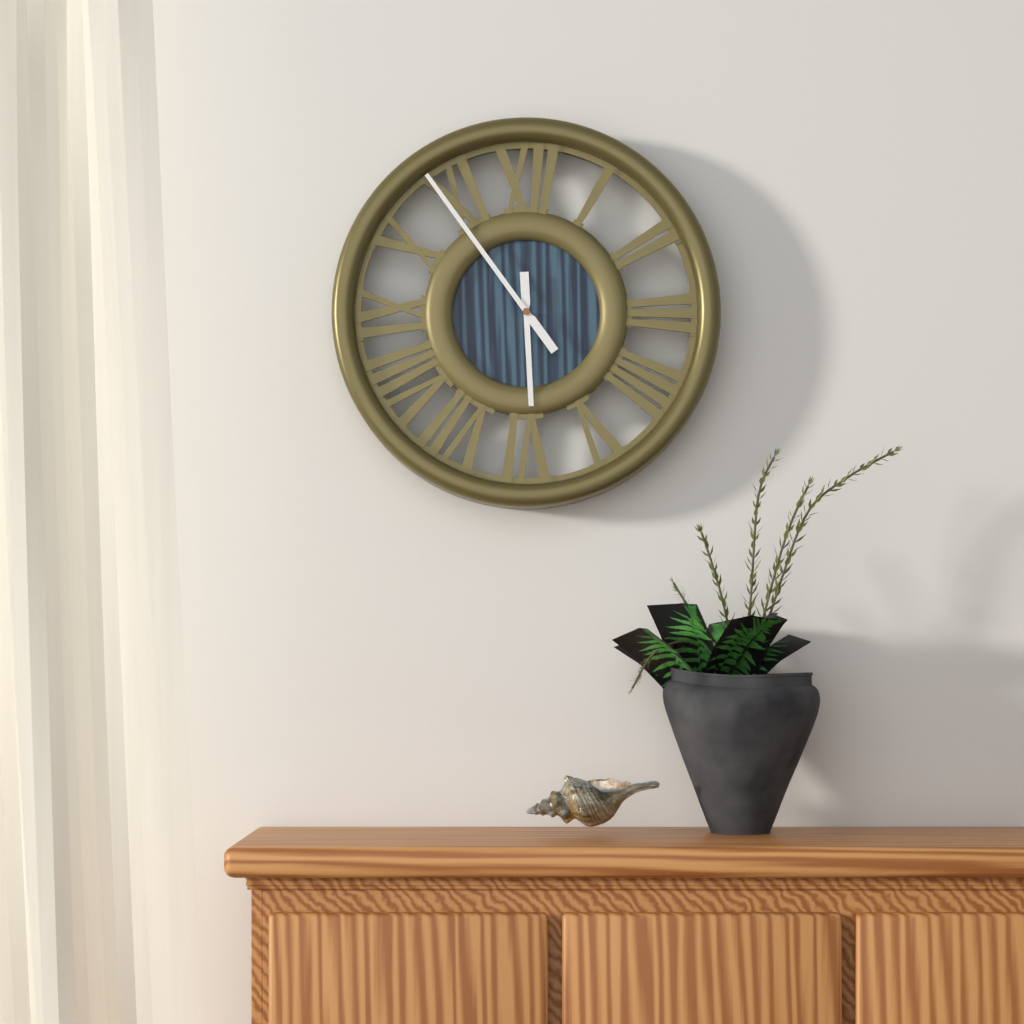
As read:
{"hour": 5, "minute": 54}
